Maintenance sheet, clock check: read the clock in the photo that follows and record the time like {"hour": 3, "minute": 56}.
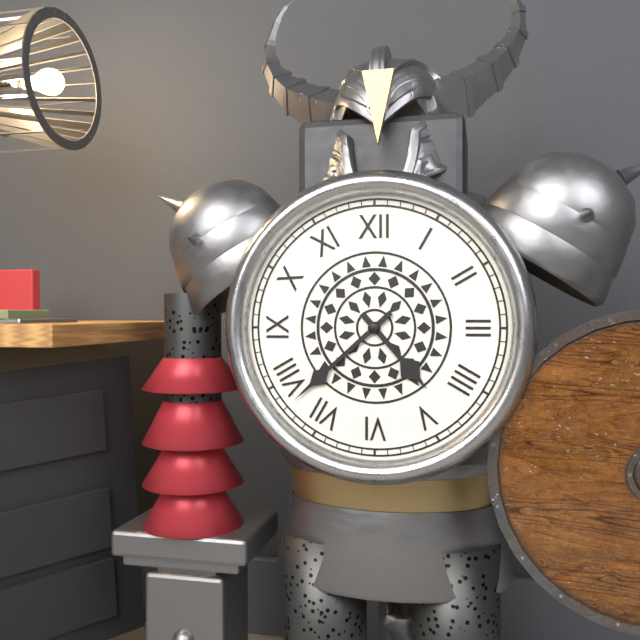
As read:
{"hour": 4, "minute": 38}
